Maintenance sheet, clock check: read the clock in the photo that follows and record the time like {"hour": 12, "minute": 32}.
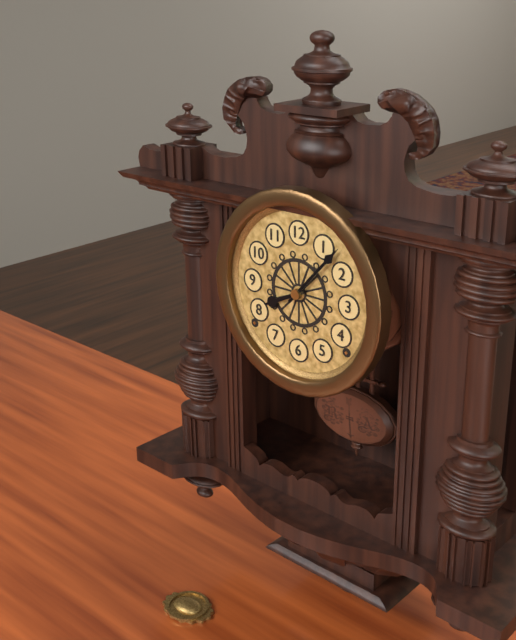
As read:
{"hour": 8, "minute": 7}
